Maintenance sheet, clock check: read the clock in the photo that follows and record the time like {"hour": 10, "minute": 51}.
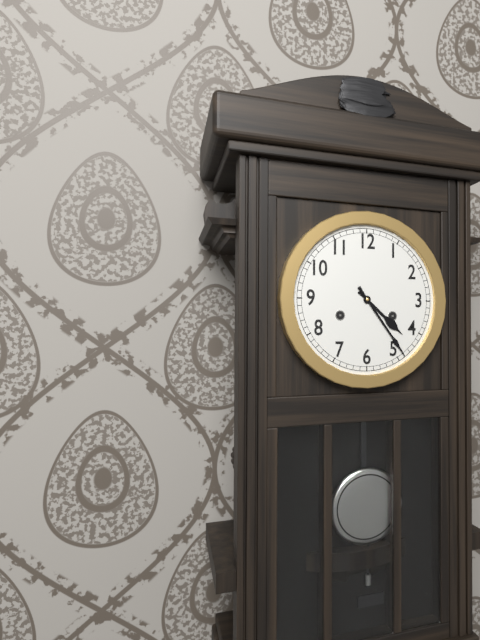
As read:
{"hour": 4, "minute": 24}
